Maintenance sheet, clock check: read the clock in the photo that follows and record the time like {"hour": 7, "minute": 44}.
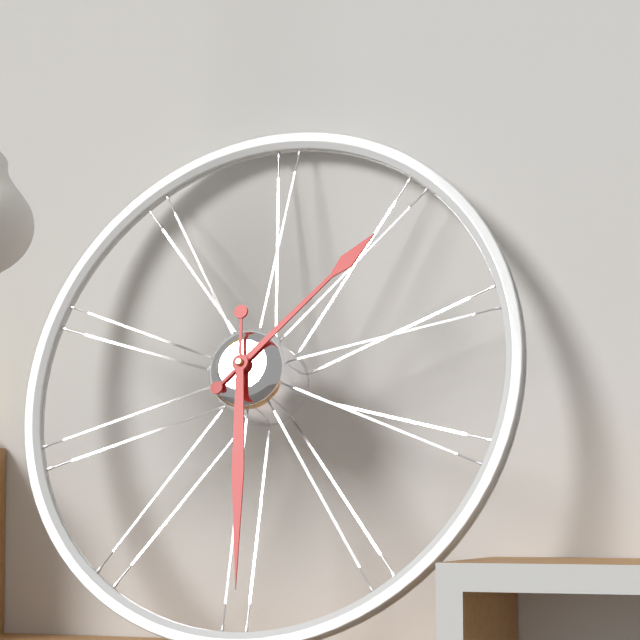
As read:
{"hour": 1, "minute": 29}
